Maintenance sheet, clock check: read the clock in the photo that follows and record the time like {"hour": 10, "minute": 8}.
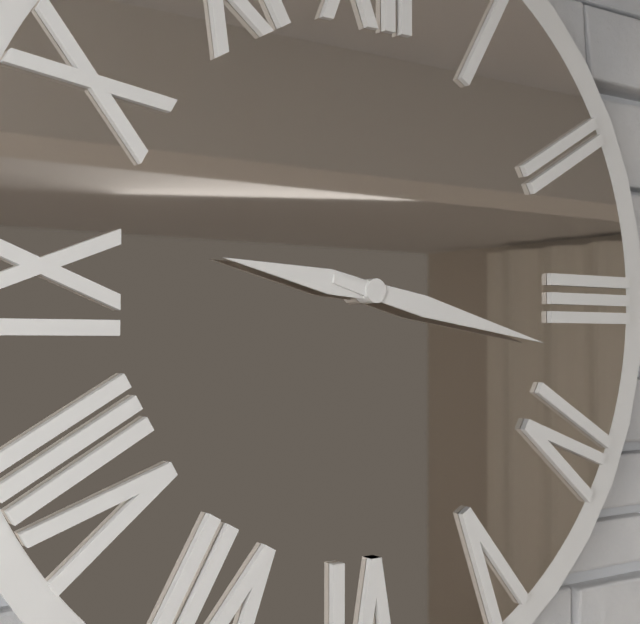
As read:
{"hour": 9, "minute": 17}
